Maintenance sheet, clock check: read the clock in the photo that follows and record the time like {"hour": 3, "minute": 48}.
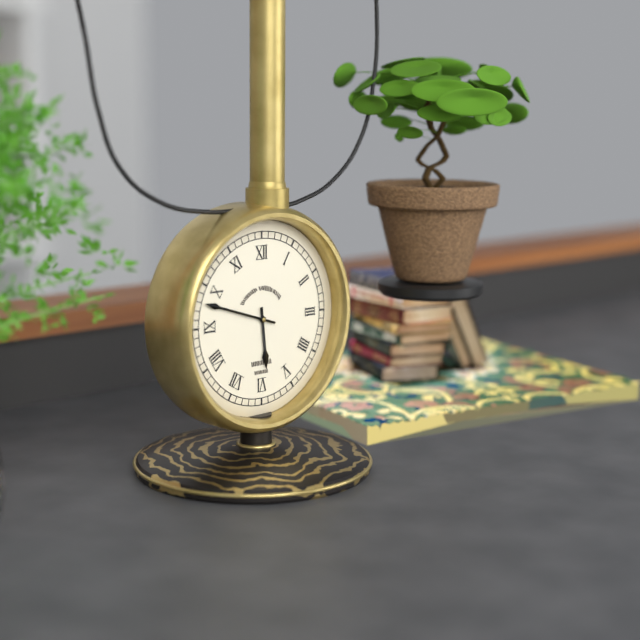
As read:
{"hour": 5, "minute": 48}
